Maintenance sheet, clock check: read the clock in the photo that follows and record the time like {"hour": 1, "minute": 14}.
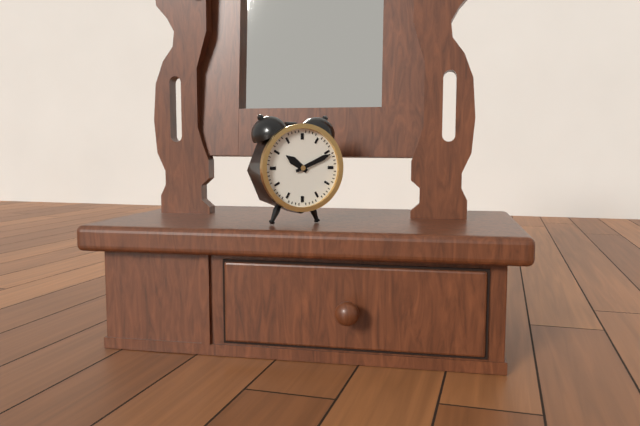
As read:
{"hour": 10, "minute": 11}
